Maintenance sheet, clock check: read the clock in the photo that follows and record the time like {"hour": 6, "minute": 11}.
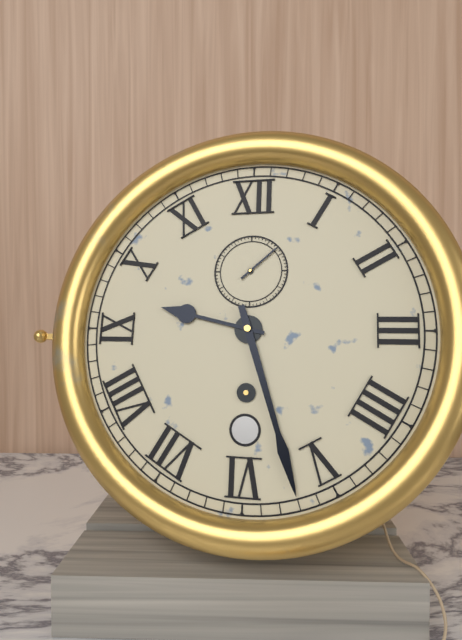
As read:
{"hour": 9, "minute": 27}
